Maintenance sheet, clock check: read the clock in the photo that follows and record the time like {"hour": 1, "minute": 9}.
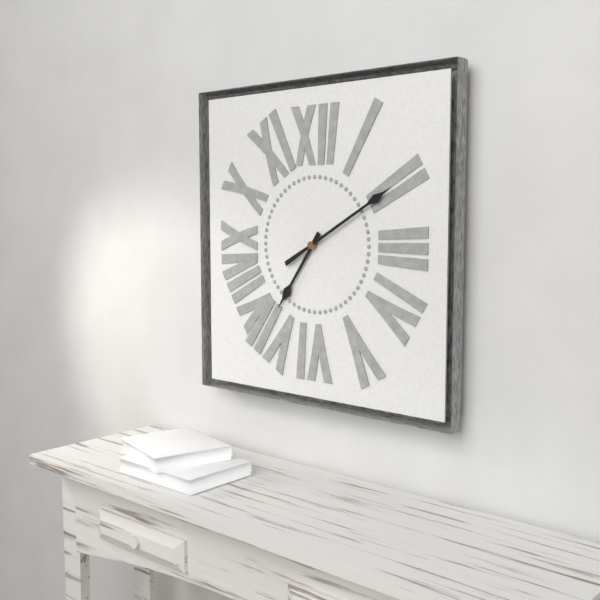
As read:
{"hour": 7, "minute": 10}
